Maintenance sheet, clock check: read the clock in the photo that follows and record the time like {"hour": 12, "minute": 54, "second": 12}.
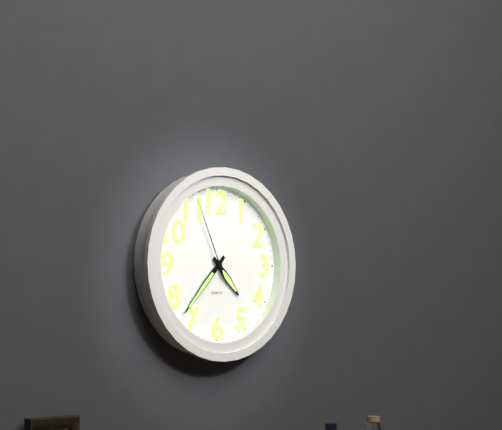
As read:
{"hour": 4, "minute": 37, "second": 56}
